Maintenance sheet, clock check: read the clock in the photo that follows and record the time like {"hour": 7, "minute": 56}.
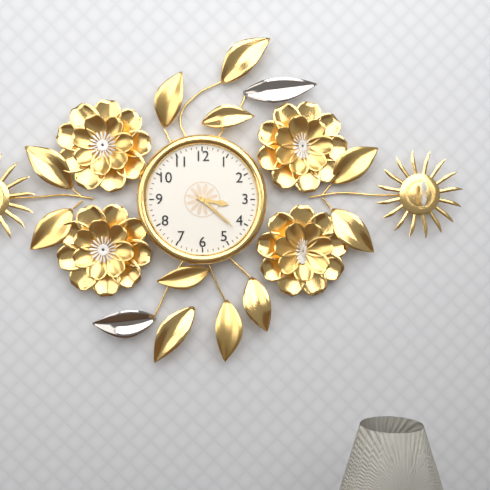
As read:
{"hour": 3, "minute": 22}
